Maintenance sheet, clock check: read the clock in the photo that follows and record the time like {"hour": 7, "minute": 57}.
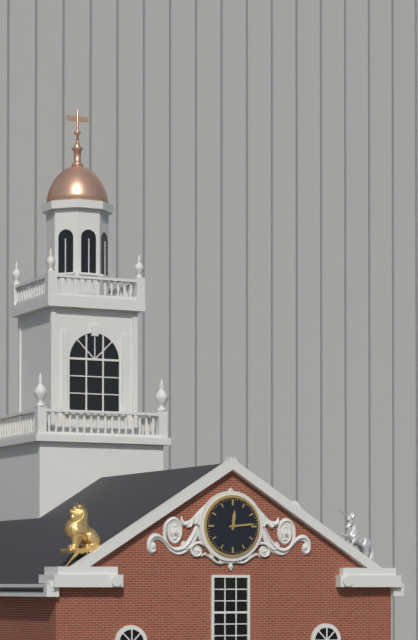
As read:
{"hour": 12, "minute": 14}
